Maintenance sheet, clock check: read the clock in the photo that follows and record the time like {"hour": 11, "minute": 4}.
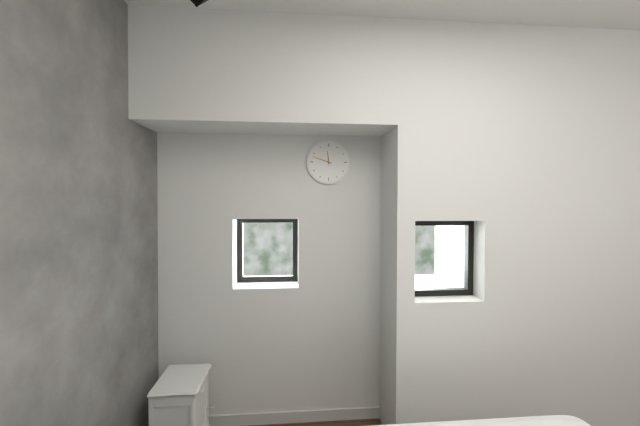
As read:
{"hour": 11, "minute": 48}
